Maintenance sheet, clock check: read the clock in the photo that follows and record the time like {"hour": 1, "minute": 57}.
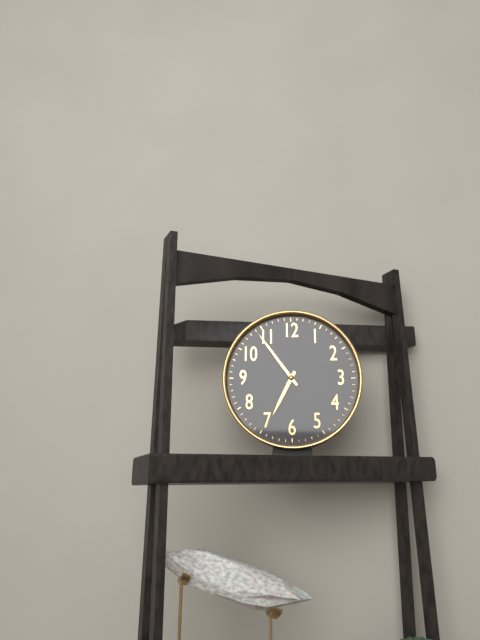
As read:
{"hour": 6, "minute": 54}
